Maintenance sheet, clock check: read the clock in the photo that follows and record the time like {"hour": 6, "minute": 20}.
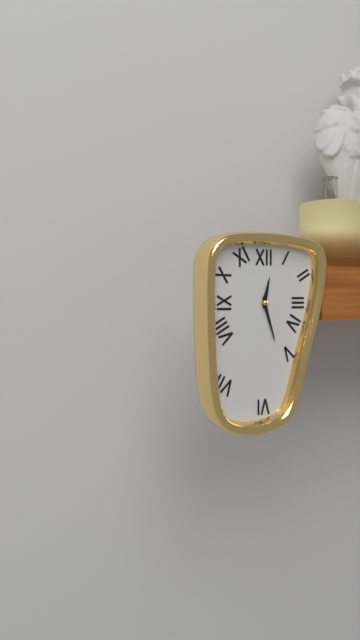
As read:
{"hour": 12, "minute": 27}
